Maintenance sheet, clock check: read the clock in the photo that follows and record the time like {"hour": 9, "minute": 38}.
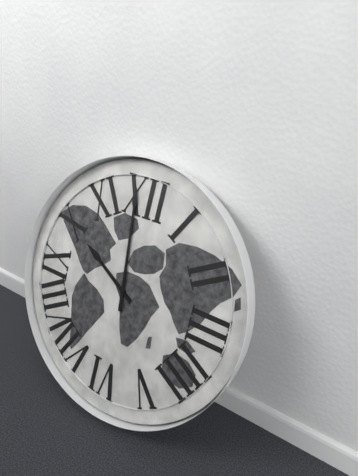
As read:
{"hour": 9, "minute": 59}
